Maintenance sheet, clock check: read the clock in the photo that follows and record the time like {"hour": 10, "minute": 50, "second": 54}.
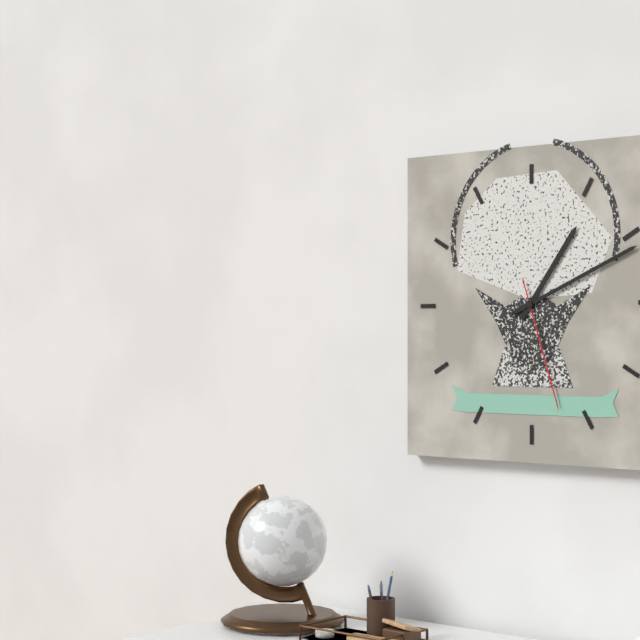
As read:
{"hour": 1, "minute": 11, "second": 27}
